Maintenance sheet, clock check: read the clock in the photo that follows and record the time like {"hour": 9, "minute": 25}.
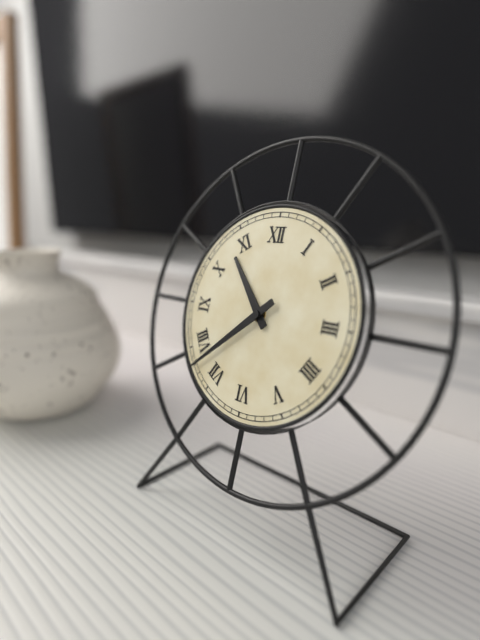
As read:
{"hour": 10, "minute": 38}
